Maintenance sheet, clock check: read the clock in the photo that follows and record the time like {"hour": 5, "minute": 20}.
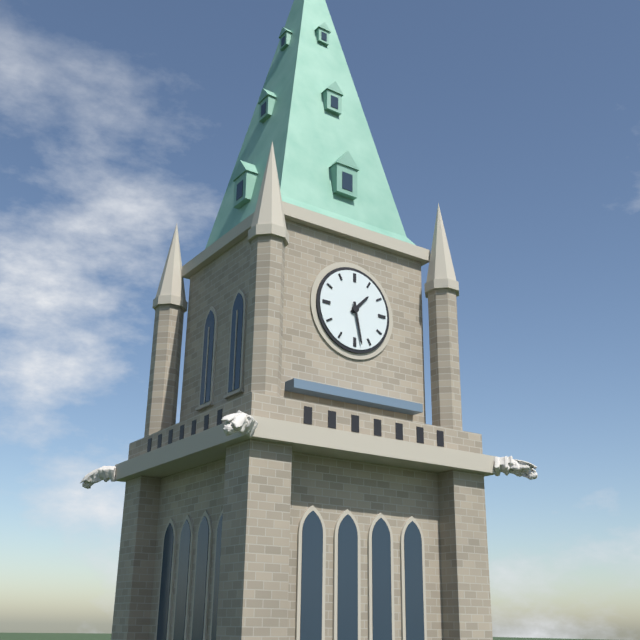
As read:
{"hour": 1, "minute": 28}
